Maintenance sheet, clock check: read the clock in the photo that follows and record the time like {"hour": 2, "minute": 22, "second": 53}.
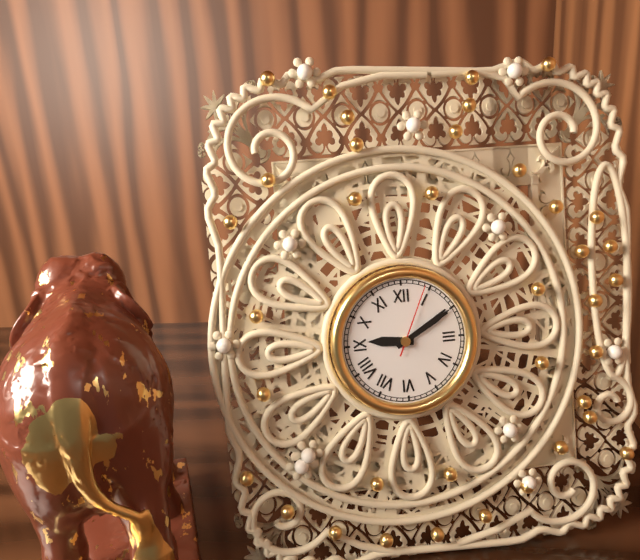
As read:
{"hour": 9, "minute": 10, "second": 4}
